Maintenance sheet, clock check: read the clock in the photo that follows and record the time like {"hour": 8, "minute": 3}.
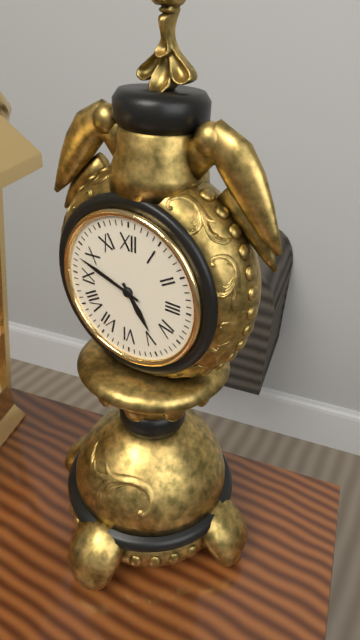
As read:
{"hour": 4, "minute": 48}
